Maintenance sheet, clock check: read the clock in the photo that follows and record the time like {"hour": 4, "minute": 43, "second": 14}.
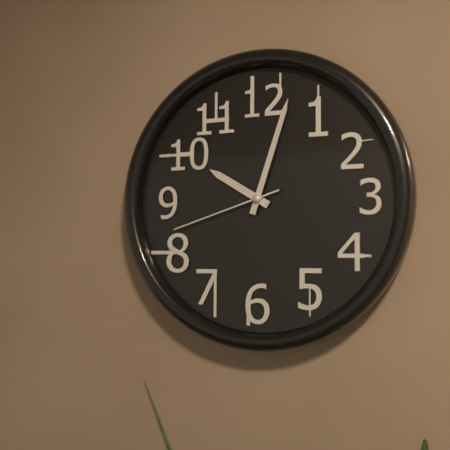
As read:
{"hour": 10, "minute": 3, "second": 42}
